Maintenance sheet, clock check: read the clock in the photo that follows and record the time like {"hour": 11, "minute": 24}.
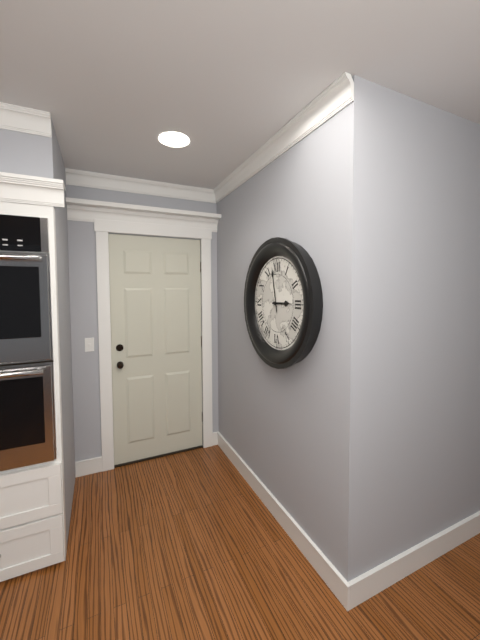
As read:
{"hour": 2, "minute": 58}
